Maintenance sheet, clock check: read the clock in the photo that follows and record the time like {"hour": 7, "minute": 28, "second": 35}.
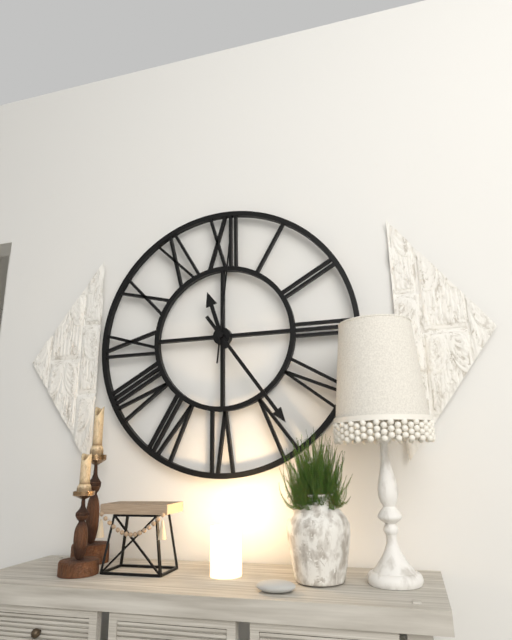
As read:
{"hour": 11, "minute": 24, "second": 1}
